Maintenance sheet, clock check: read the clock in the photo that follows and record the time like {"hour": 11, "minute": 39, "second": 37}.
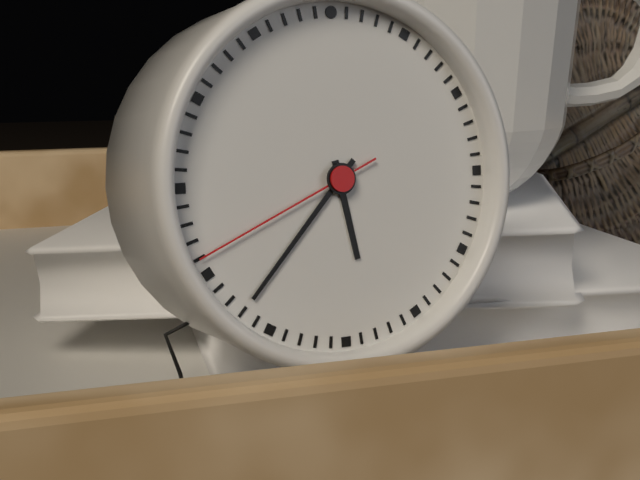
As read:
{"hour": 5, "minute": 37, "second": 41}
